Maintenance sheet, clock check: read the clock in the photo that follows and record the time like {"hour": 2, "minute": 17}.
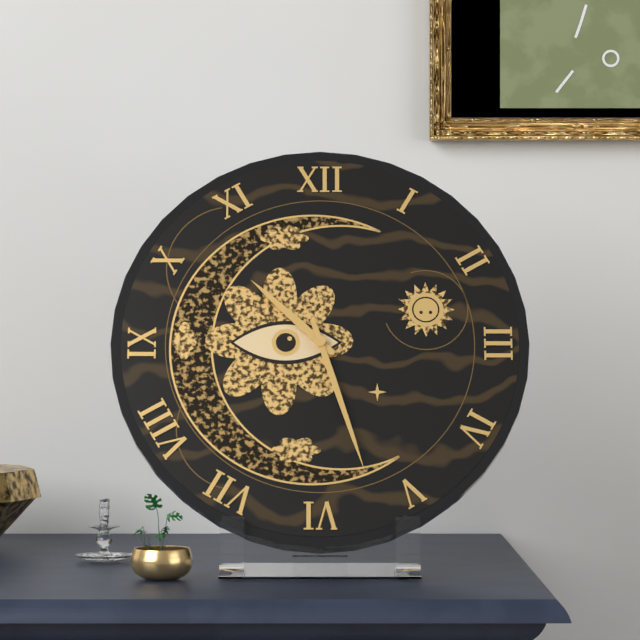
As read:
{"hour": 10, "minute": 27}
